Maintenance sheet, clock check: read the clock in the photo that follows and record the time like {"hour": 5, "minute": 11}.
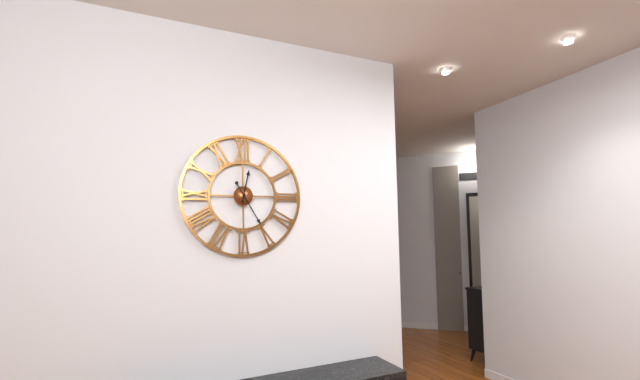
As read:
{"hour": 12, "minute": 25}
